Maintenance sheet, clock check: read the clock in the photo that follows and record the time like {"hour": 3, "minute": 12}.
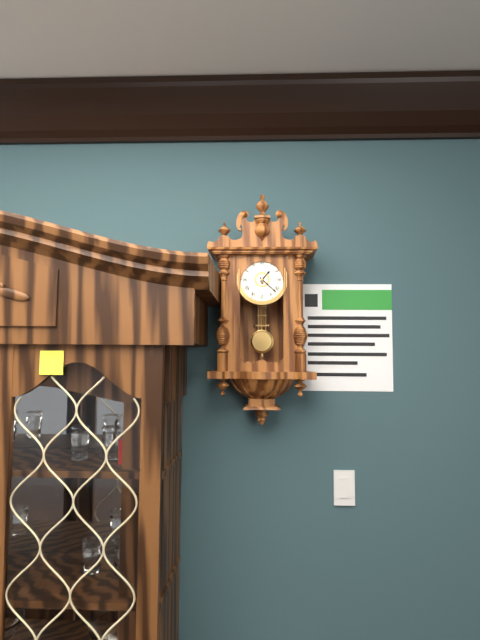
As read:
{"hour": 1, "minute": 22}
